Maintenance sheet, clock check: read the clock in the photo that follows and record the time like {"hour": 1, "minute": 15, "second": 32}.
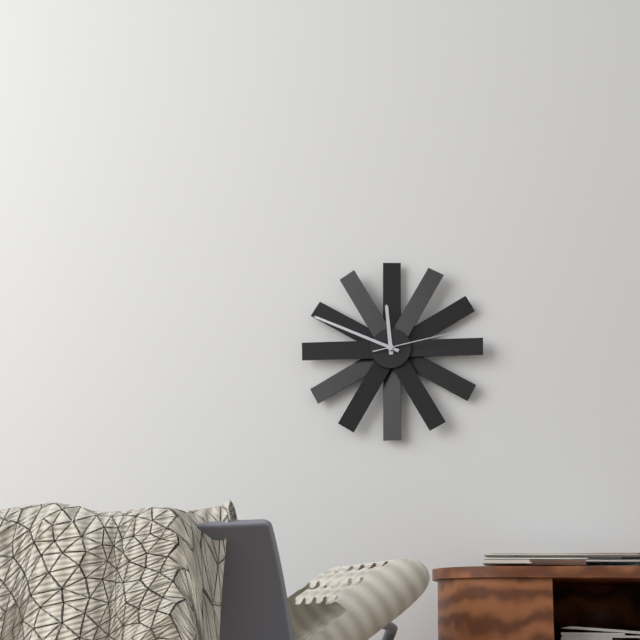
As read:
{"hour": 11, "minute": 49, "second": 13}
